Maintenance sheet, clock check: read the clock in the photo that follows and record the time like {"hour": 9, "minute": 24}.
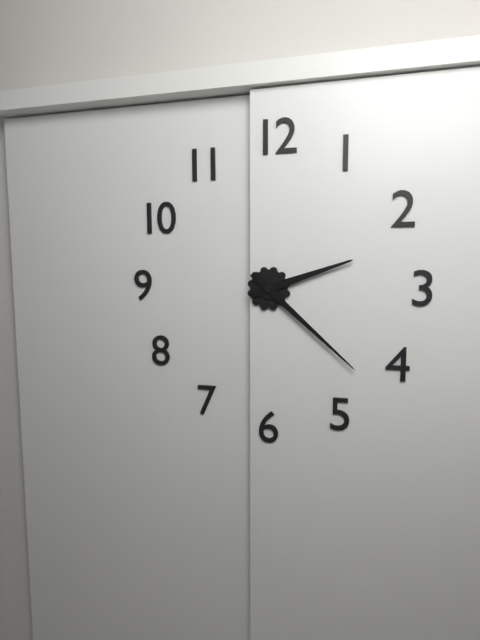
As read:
{"hour": 2, "minute": 22}
